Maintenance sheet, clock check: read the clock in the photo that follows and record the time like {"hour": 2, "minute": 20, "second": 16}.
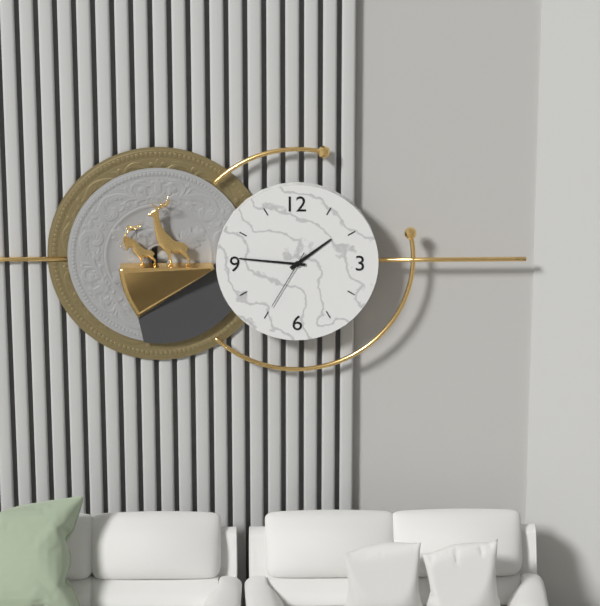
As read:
{"hour": 1, "minute": 46, "second": 35}
